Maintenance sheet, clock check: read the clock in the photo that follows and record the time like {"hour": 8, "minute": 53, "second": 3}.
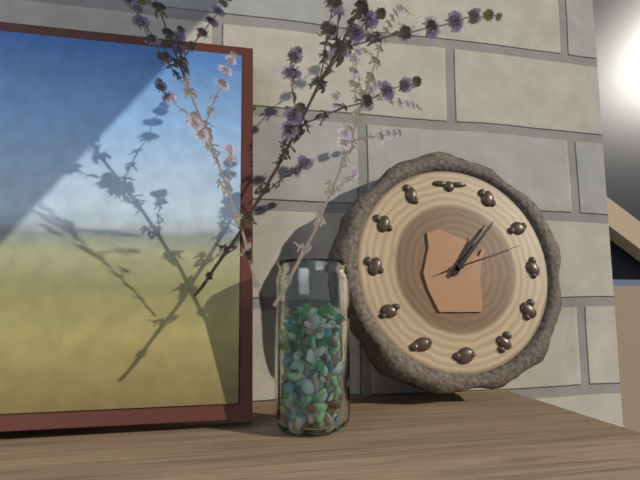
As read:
{"hour": 1, "minute": 7, "second": 12}
